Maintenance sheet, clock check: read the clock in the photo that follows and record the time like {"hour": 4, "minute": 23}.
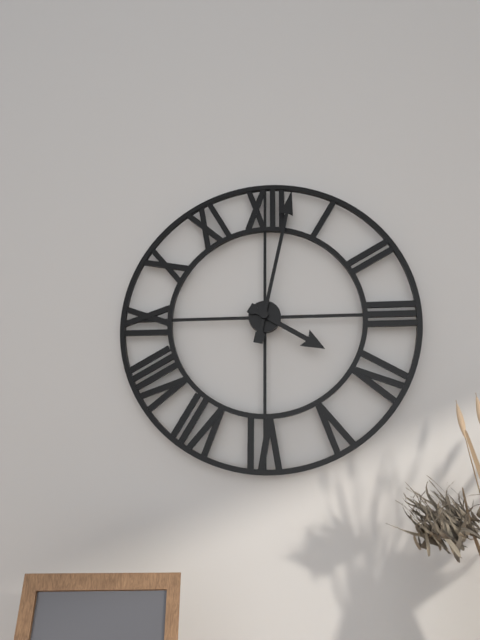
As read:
{"hour": 4, "minute": 2}
